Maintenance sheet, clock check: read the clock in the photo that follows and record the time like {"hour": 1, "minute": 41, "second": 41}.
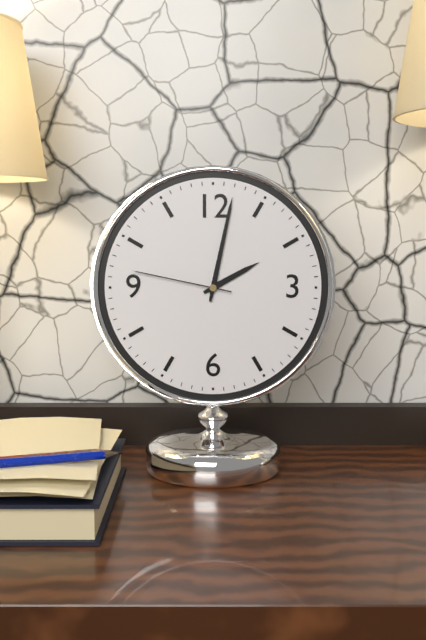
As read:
{"hour": 2, "minute": 2, "second": 47}
